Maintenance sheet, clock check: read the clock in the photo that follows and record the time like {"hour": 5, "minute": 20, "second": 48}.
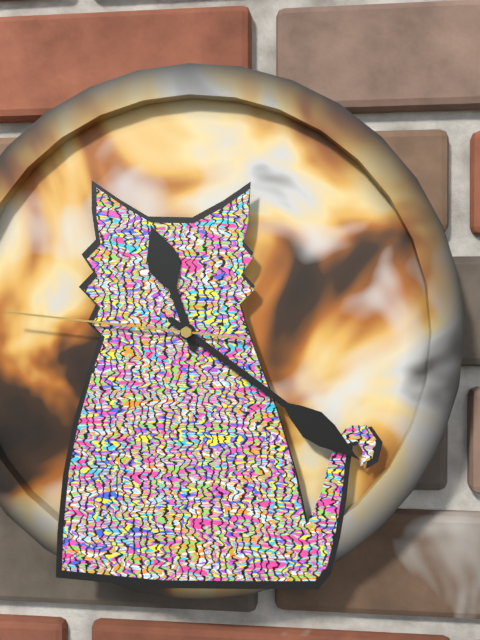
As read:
{"hour": 11, "minute": 21, "second": 46}
